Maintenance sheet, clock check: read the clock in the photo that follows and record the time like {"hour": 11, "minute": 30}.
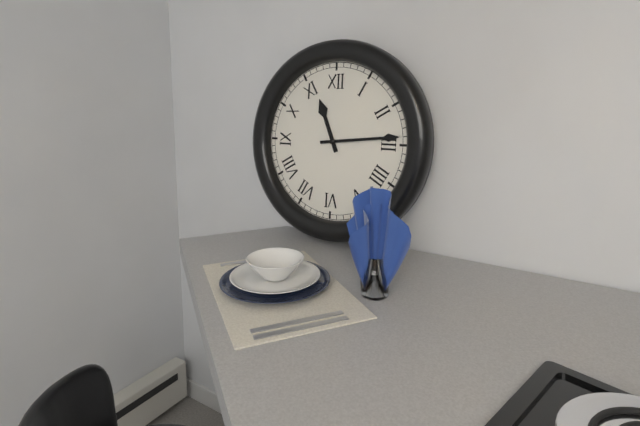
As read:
{"hour": 11, "minute": 14}
